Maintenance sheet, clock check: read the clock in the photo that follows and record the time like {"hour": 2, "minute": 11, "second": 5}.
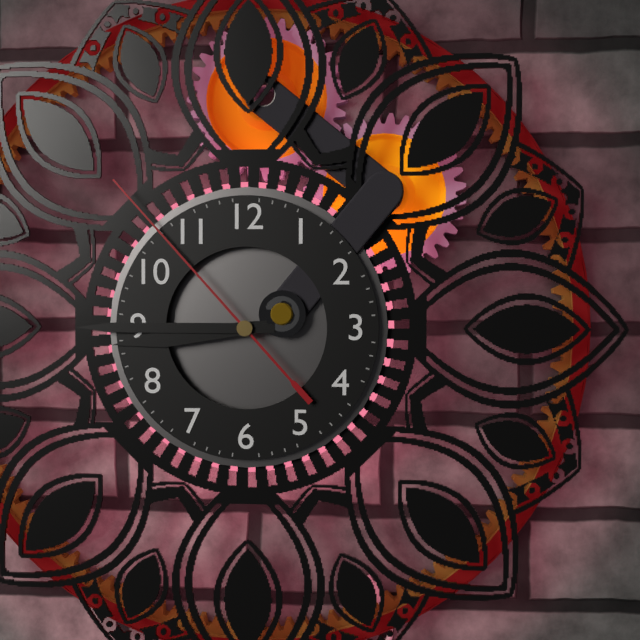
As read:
{"hour": 8, "minute": 45, "second": 53}
